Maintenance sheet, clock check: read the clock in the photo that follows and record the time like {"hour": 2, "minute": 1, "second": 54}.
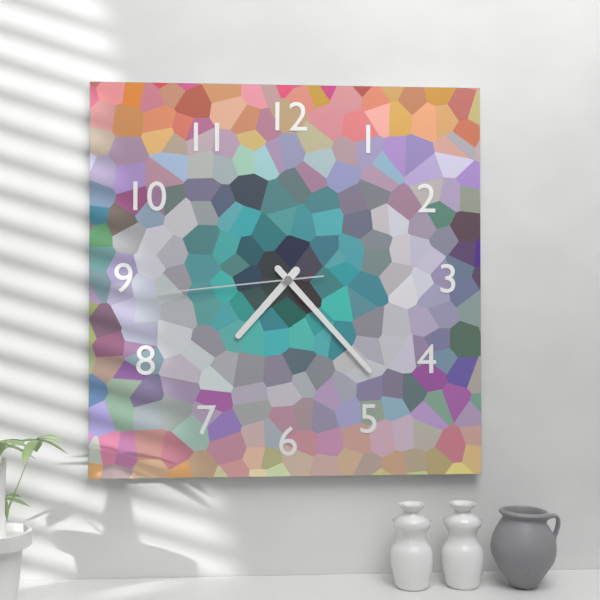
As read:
{"hour": 7, "minute": 23, "second": 44}
